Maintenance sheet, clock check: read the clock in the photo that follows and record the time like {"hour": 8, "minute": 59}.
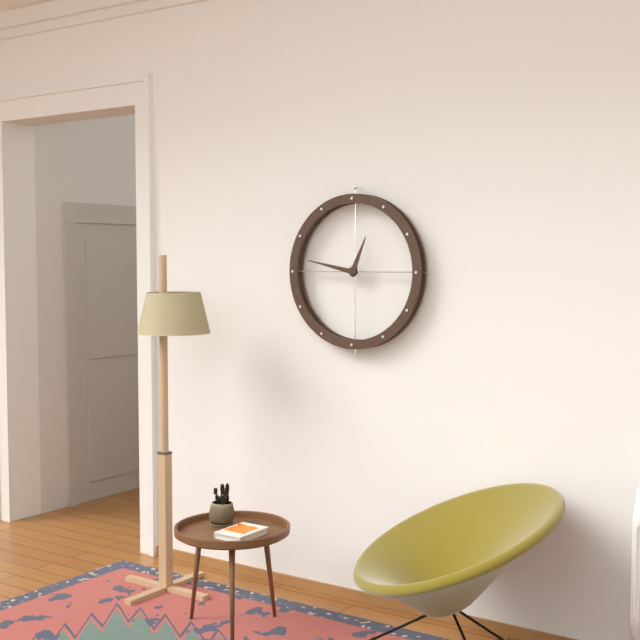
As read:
{"hour": 12, "minute": 47}
